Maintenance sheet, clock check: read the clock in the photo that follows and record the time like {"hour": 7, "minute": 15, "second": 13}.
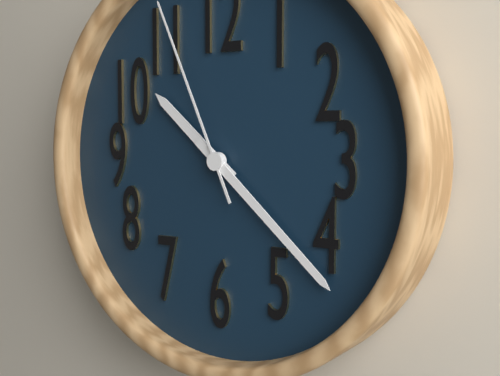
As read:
{"hour": 10, "minute": 22, "second": 56}
